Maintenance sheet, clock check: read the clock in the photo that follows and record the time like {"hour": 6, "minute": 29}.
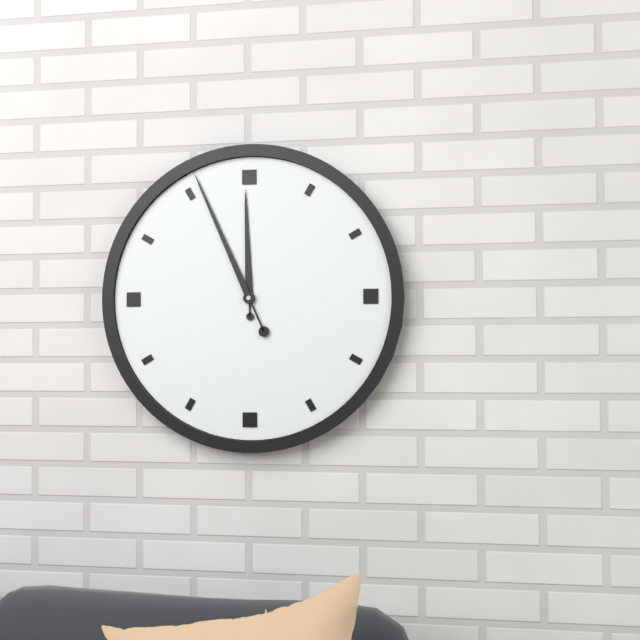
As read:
{"hour": 11, "minute": 56}
